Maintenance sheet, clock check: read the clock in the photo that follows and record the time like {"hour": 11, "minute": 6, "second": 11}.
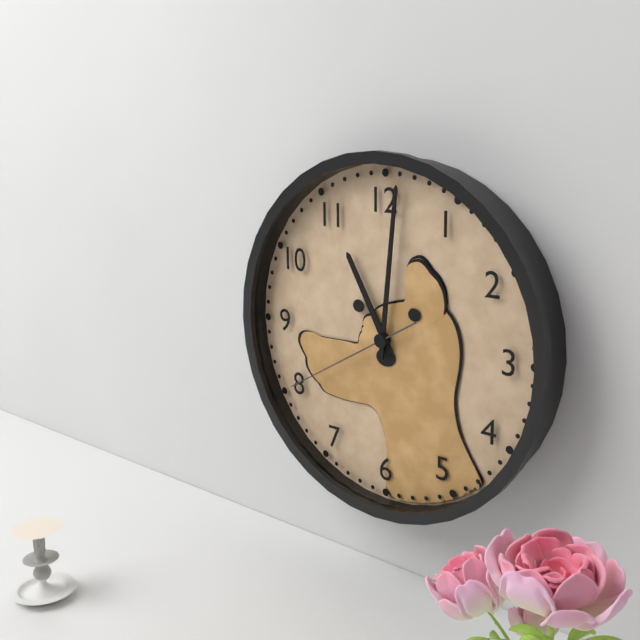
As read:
{"hour": 11, "minute": 1, "second": 40}
